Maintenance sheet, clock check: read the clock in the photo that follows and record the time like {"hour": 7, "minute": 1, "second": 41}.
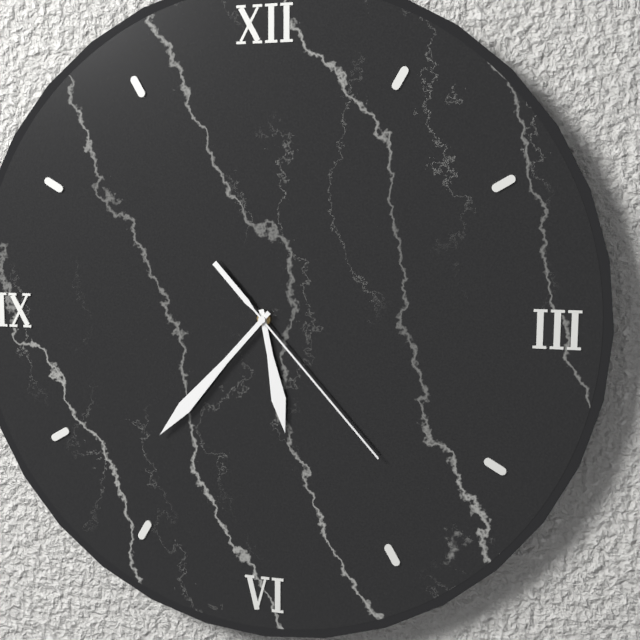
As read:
{"hour": 5, "minute": 37, "second": 23}
